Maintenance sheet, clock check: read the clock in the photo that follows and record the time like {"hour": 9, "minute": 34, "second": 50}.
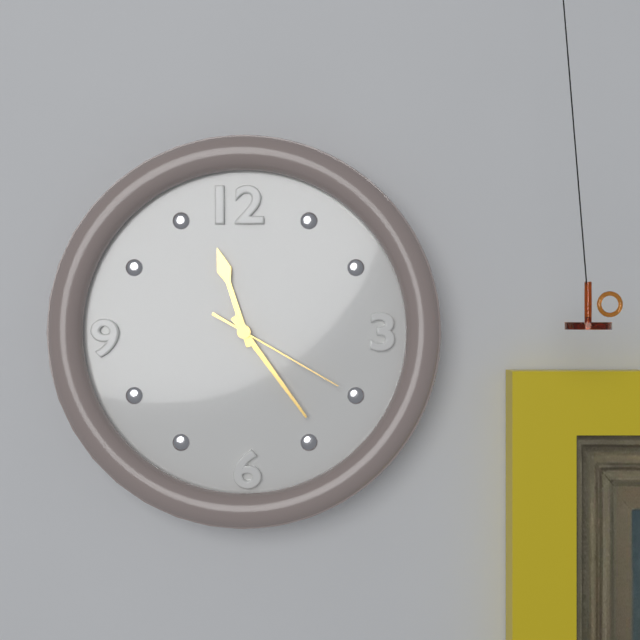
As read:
{"hour": 11, "minute": 24, "second": 20}
